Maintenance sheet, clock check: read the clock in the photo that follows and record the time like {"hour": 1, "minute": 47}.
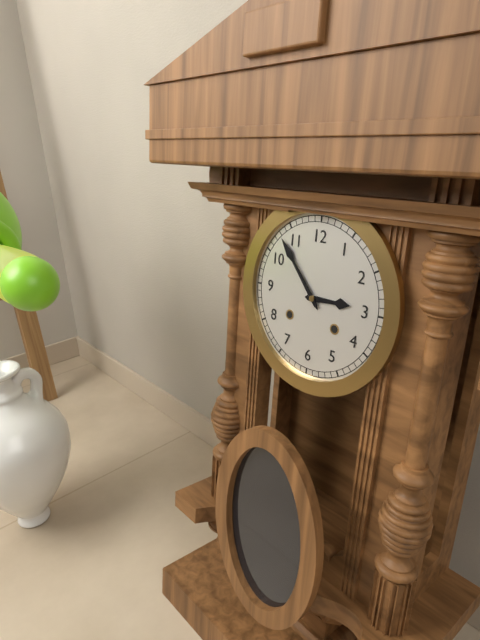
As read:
{"hour": 2, "minute": 53}
